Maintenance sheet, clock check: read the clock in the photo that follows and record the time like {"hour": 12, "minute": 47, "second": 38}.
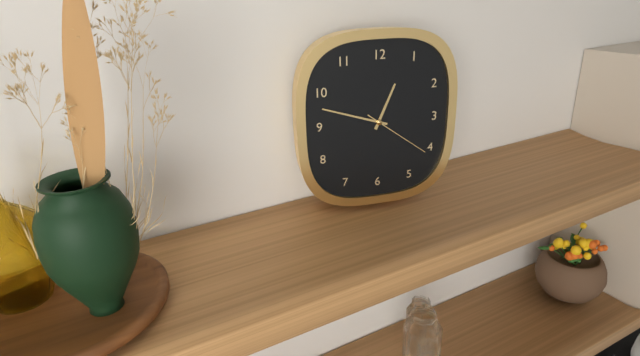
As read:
{"hour": 12, "minute": 48, "second": 21}
